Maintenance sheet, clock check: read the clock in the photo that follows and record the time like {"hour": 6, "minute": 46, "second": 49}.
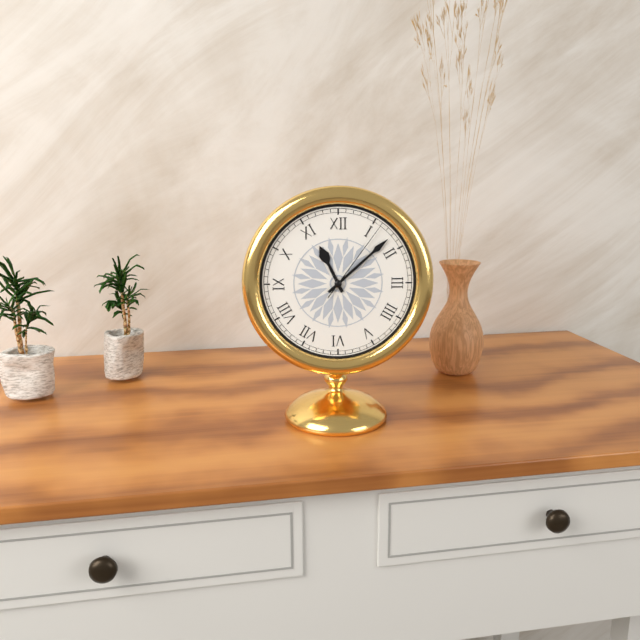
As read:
{"hour": 11, "minute": 8, "second": 6}
